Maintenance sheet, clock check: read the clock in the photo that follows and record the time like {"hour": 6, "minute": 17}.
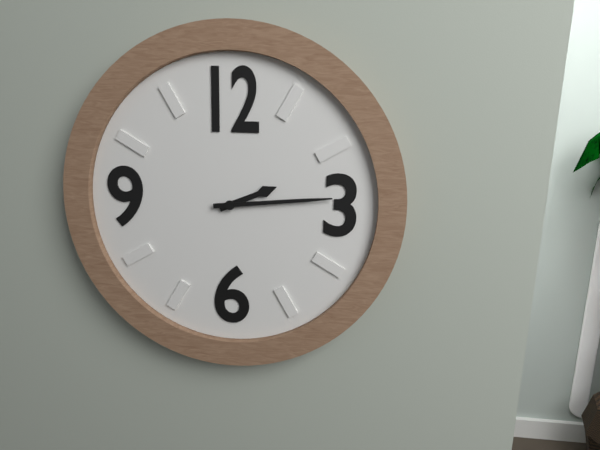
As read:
{"hour": 2, "minute": 14}
